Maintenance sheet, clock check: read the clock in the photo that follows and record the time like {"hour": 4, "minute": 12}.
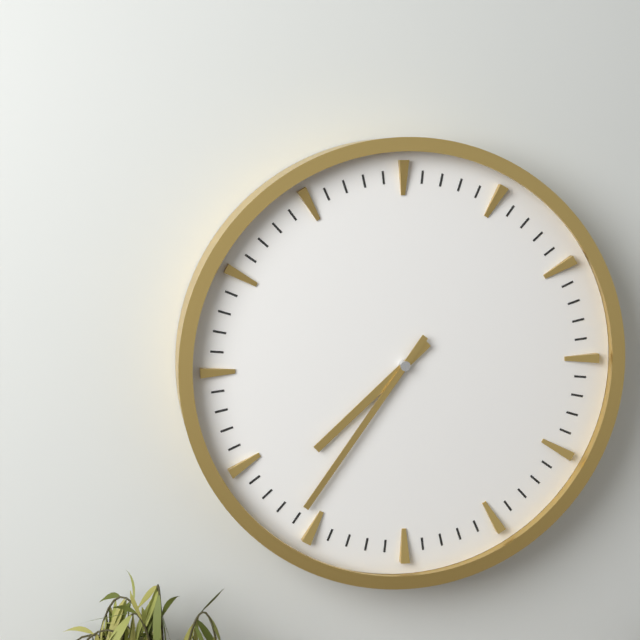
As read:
{"hour": 7, "minute": 36}
